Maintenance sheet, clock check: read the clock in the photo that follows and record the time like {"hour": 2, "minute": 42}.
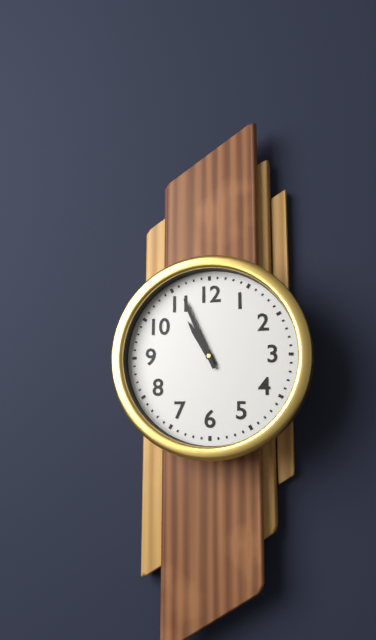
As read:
{"hour": 10, "minute": 56}
